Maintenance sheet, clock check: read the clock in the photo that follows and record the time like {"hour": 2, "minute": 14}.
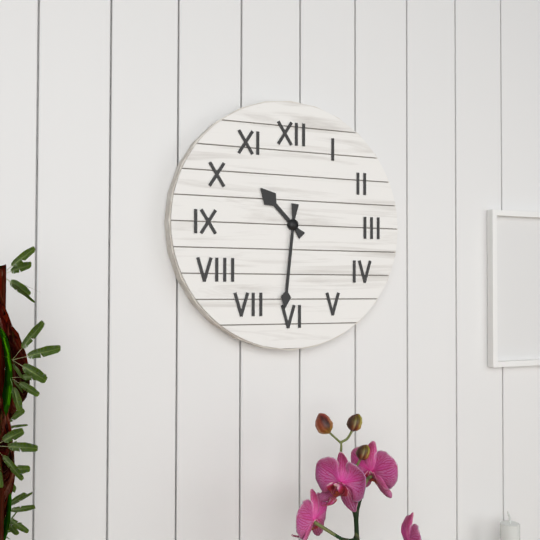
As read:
{"hour": 10, "minute": 31}
